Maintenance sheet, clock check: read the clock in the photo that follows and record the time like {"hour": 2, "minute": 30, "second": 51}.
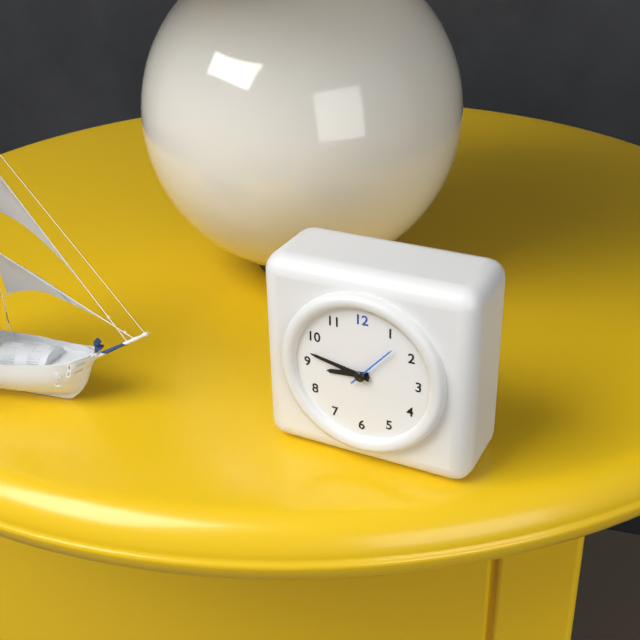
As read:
{"hour": 8, "minute": 47, "second": 7}
